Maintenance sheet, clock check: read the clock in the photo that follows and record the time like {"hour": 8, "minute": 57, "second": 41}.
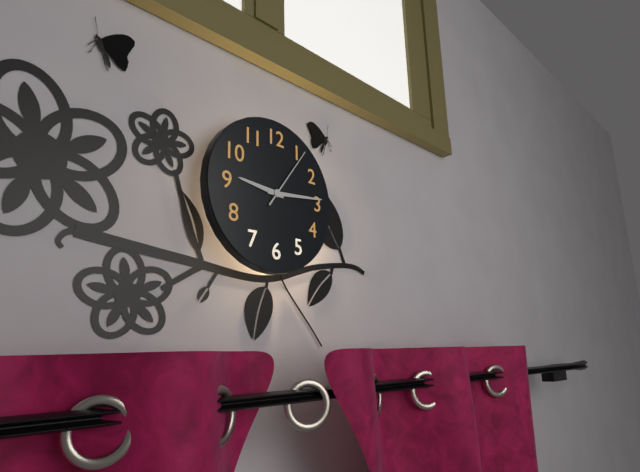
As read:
{"hour": 9, "minute": 14, "second": 6}
